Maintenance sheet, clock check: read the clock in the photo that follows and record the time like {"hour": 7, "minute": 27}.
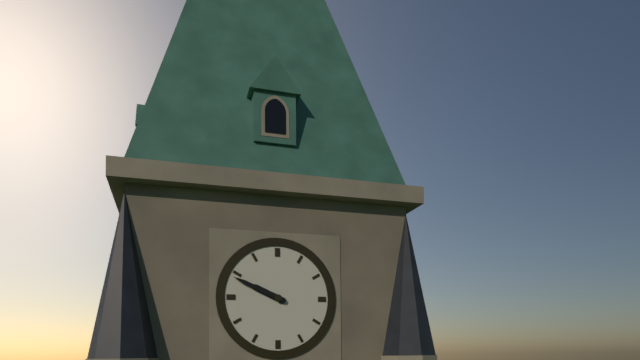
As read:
{"hour": 9, "minute": 49}
